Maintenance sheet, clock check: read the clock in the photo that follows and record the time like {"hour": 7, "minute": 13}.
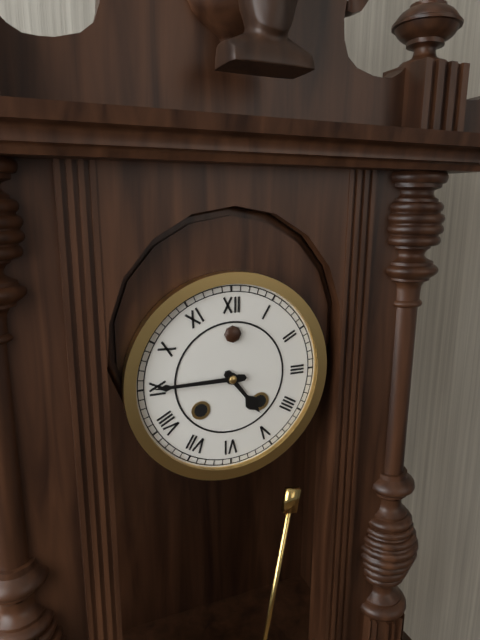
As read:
{"hour": 4, "minute": 45}
